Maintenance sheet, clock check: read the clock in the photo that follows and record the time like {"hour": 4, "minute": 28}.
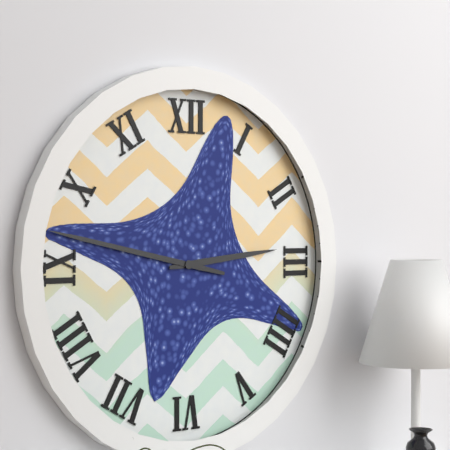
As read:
{"hour": 2, "minute": 47}
